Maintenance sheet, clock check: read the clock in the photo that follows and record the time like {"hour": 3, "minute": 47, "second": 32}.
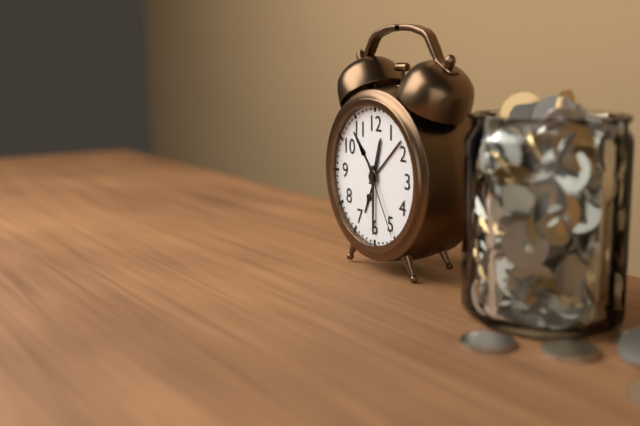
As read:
{"hour": 12, "minute": 30, "second": 25}
